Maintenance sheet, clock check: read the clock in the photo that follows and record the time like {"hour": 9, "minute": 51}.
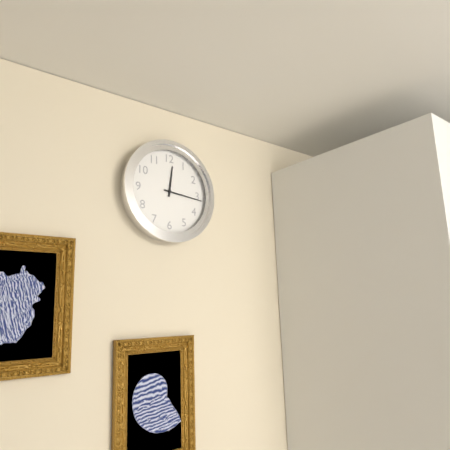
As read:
{"hour": 12, "minute": 16}
